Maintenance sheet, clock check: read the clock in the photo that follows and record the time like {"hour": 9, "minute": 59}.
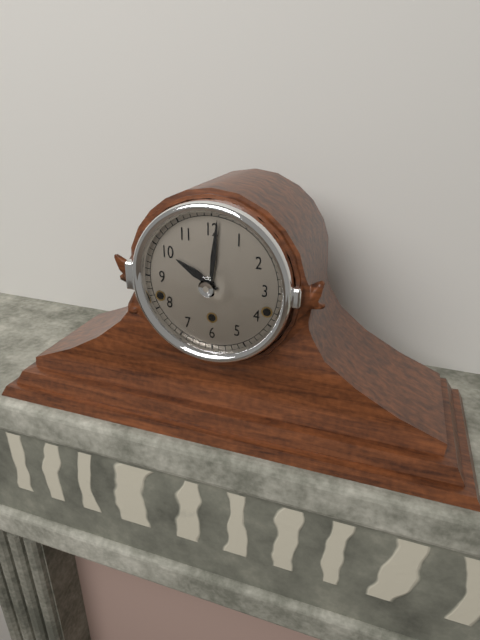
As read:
{"hour": 10, "minute": 1}
